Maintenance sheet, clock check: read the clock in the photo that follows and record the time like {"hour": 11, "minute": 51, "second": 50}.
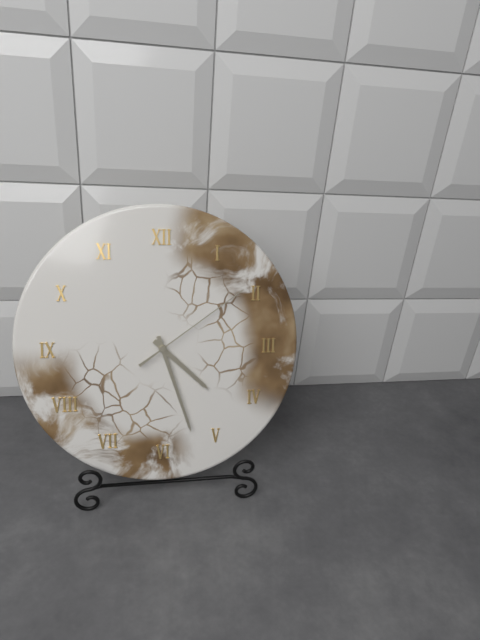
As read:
{"hour": 4, "minute": 27, "second": 9}
